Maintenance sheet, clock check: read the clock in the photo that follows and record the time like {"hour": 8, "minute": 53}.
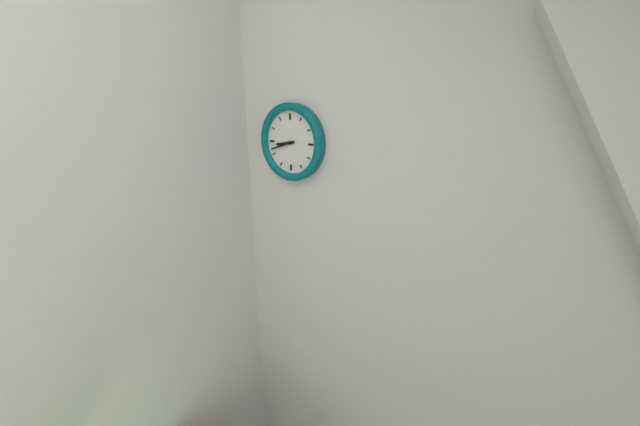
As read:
{"hour": 8, "minute": 42}
